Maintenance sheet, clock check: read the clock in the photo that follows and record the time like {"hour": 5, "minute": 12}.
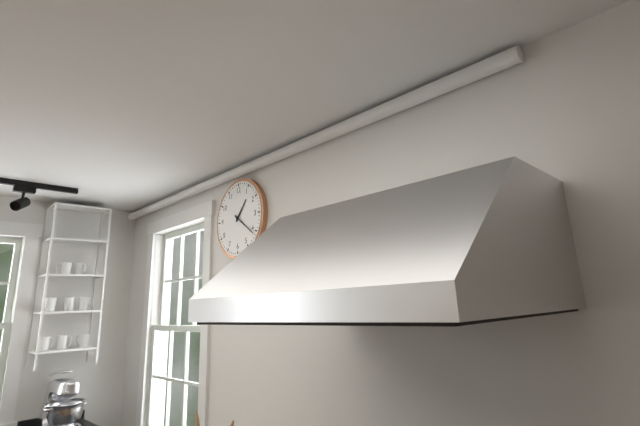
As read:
{"hour": 1, "minute": 21}
